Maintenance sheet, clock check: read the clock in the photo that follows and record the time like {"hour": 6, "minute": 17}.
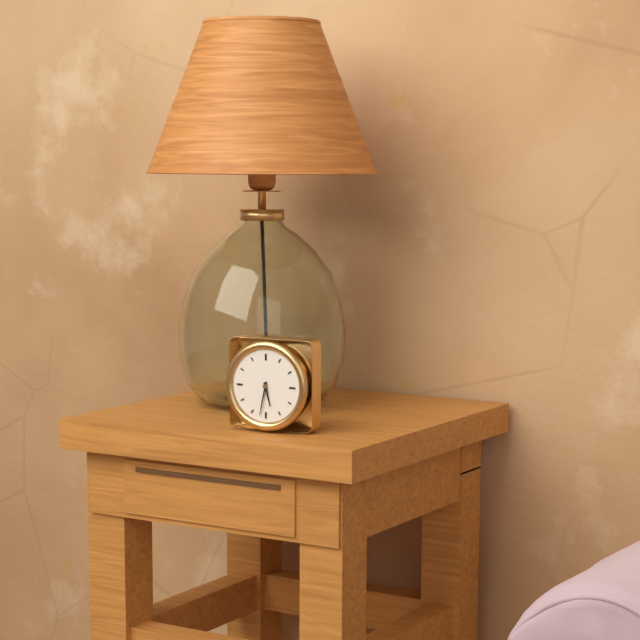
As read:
{"hour": 5, "minute": 32}
